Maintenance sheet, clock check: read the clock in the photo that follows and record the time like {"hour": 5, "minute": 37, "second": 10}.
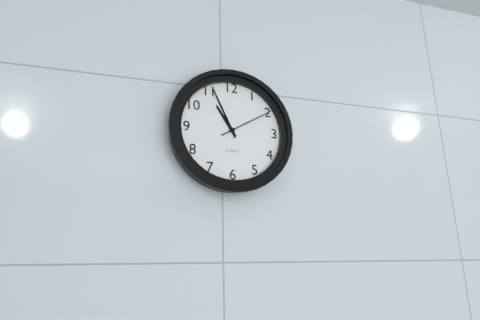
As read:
{"hour": 10, "minute": 56, "second": 10}
